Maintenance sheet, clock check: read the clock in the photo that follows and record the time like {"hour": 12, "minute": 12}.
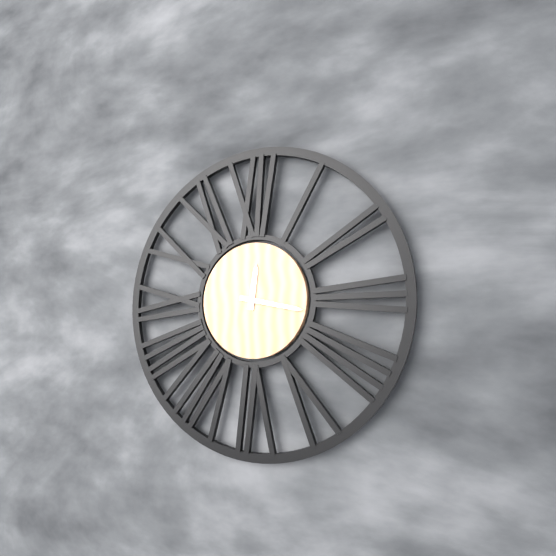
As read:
{"hour": 12, "minute": 17}
